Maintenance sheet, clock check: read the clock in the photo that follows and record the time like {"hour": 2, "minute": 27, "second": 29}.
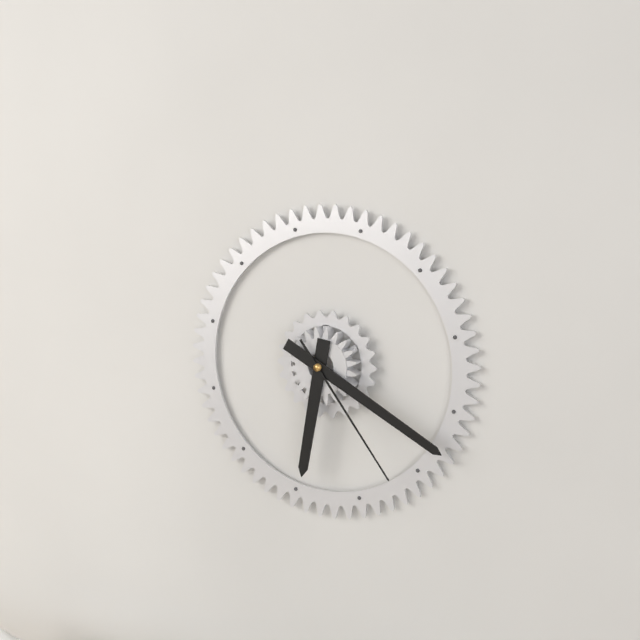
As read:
{"hour": 6, "minute": 20, "second": 24}
